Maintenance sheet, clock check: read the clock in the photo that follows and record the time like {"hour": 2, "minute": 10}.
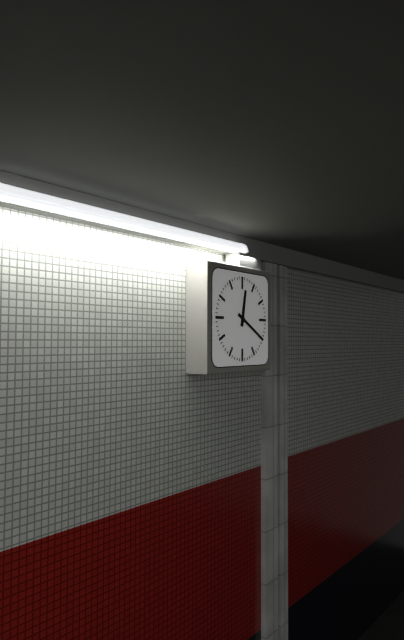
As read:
{"hour": 12, "minute": 20}
